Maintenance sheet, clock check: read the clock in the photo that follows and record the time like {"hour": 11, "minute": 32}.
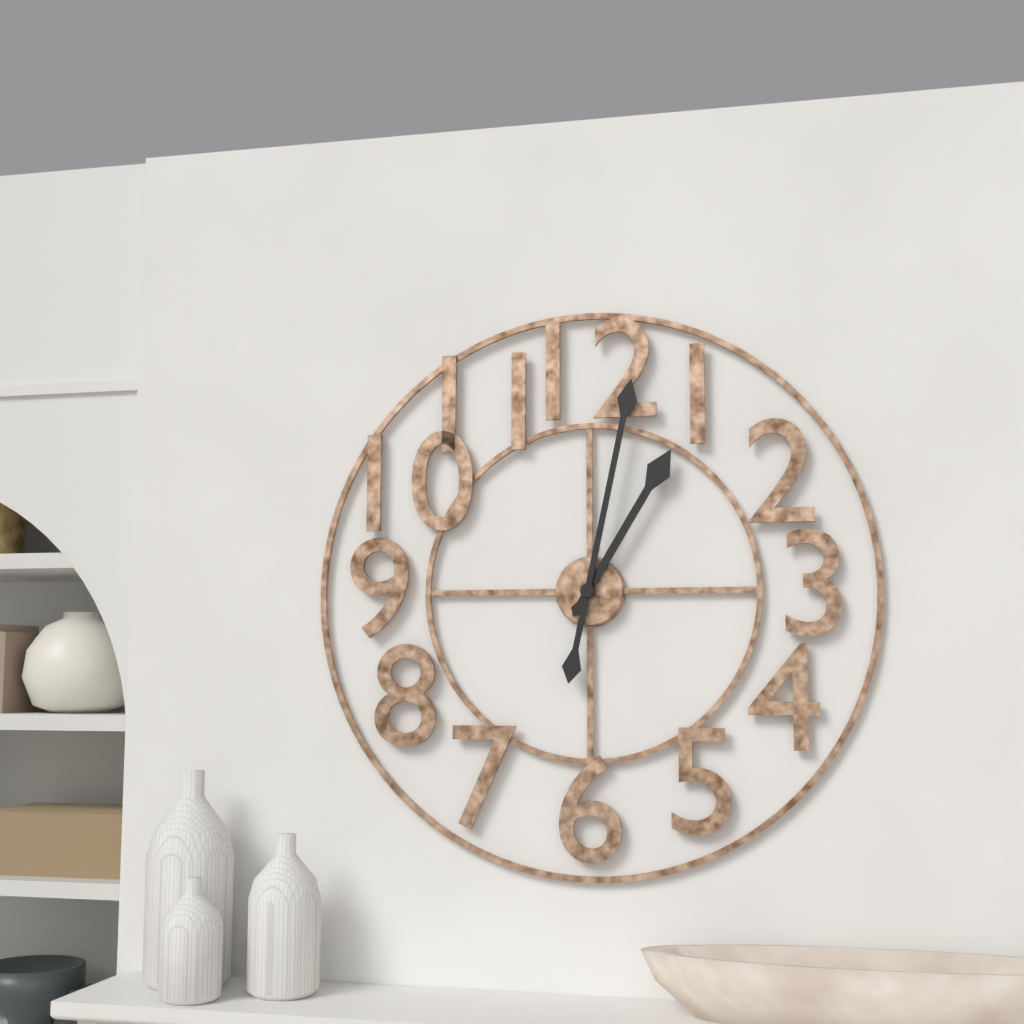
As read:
{"hour": 1, "minute": 2}
